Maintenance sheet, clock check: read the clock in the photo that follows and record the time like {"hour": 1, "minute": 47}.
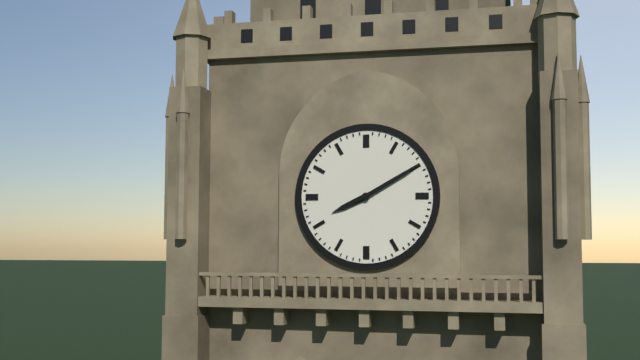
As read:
{"hour": 8, "minute": 10}
